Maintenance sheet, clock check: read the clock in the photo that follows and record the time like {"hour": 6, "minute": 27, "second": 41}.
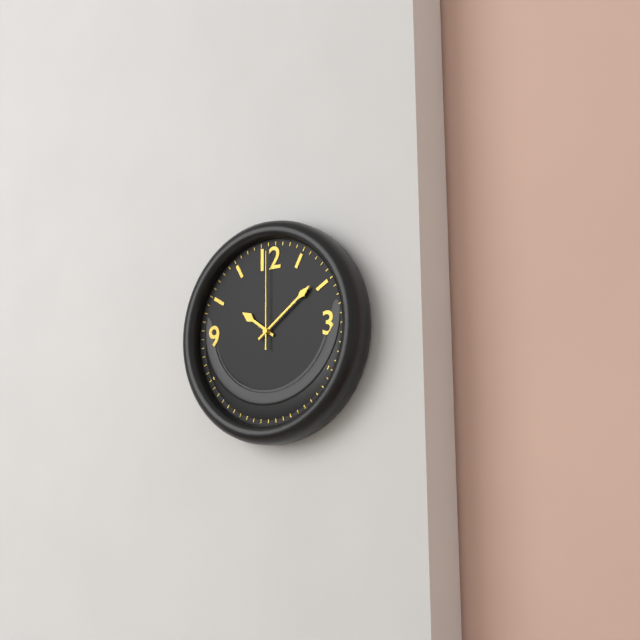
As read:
{"hour": 10, "minute": 9, "second": 0}
